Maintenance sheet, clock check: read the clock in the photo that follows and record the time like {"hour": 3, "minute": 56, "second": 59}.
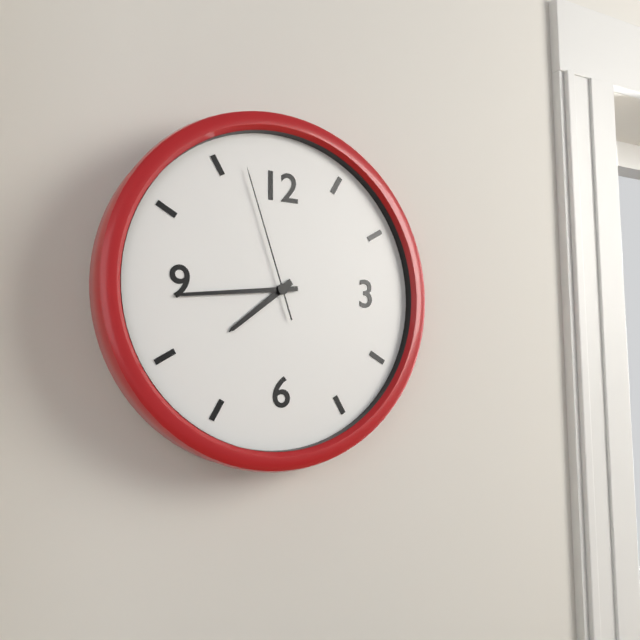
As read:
{"hour": 7, "minute": 44, "second": 57}
